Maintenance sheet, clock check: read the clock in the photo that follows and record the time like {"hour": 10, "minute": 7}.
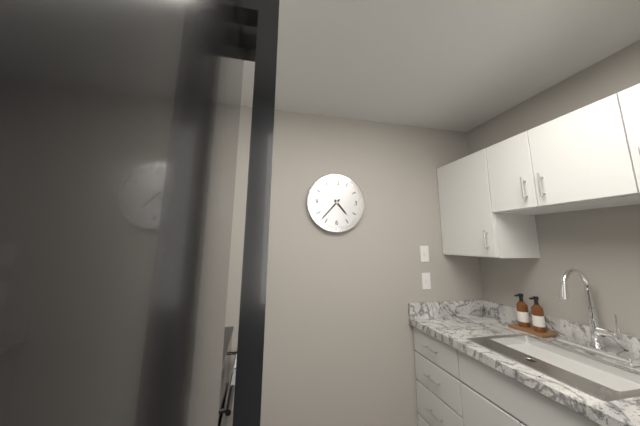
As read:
{"hour": 4, "minute": 37}
